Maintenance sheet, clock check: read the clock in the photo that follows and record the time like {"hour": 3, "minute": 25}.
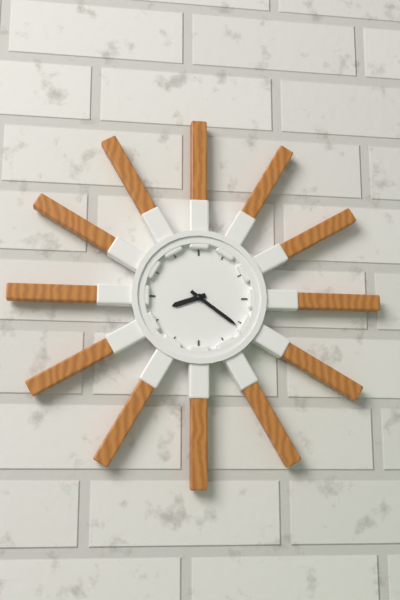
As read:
{"hour": 8, "minute": 21}
